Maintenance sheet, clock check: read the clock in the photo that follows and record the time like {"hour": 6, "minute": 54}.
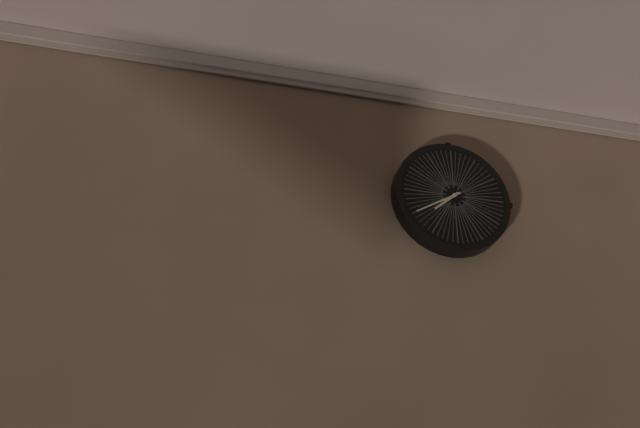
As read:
{"hour": 7, "minute": 40}
